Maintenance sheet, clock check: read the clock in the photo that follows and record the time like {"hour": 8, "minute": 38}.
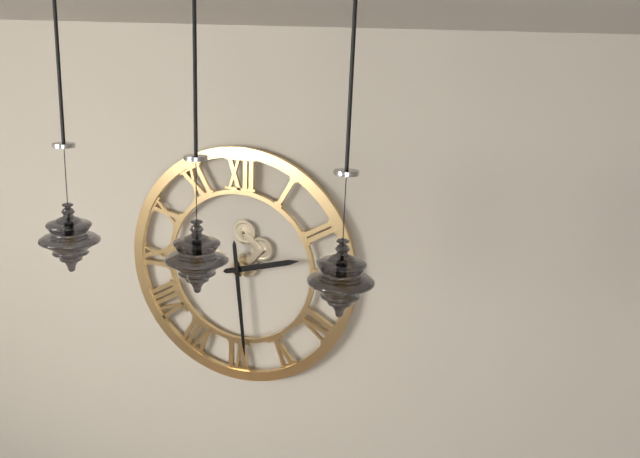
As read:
{"hour": 2, "minute": 29}
